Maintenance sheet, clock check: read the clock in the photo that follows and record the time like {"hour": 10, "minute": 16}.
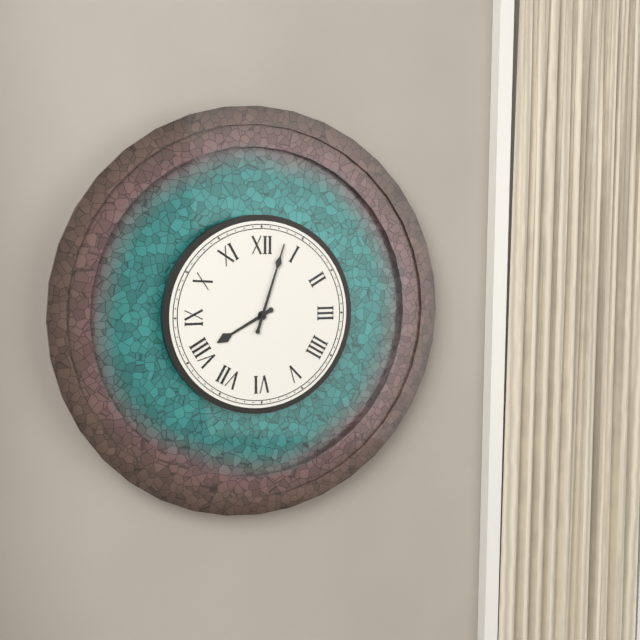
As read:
{"hour": 8, "minute": 3}
